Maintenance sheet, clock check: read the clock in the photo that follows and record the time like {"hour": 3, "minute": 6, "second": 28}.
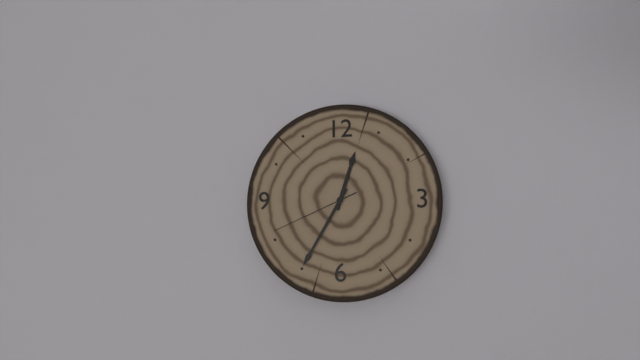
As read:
{"hour": 12, "minute": 35, "second": 41}
